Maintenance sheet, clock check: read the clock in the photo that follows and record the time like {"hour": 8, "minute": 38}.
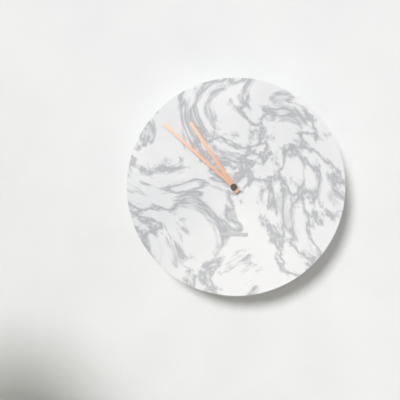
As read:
{"hour": 10, "minute": 52}
